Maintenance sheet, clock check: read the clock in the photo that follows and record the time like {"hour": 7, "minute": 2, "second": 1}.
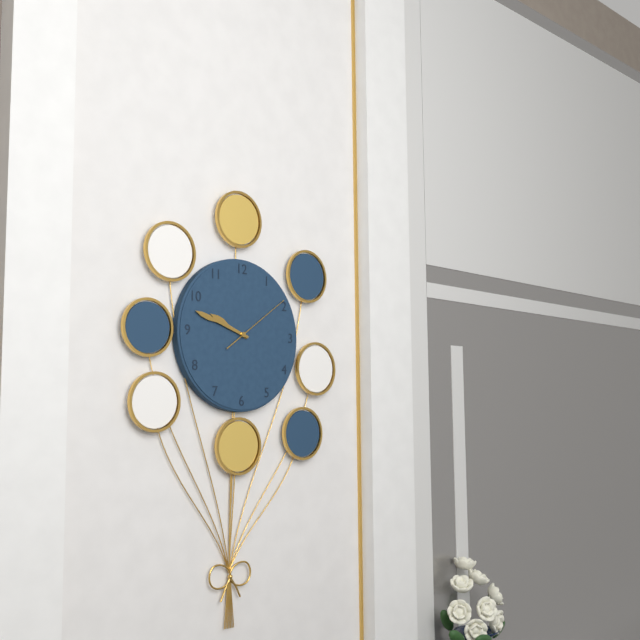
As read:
{"hour": 9, "minute": 48, "second": 9}
